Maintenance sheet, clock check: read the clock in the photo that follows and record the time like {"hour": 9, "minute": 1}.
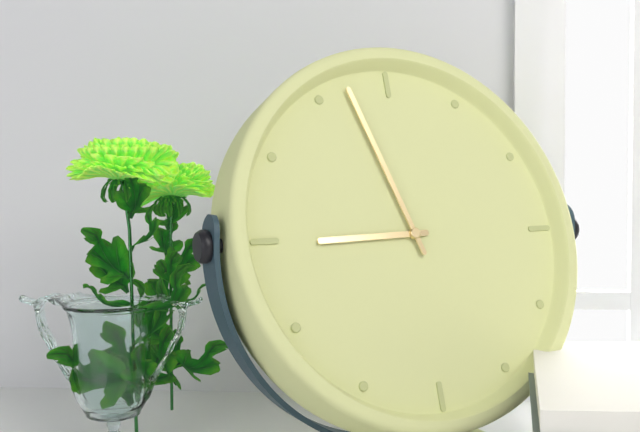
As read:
{"hour": 8, "minute": 57}
